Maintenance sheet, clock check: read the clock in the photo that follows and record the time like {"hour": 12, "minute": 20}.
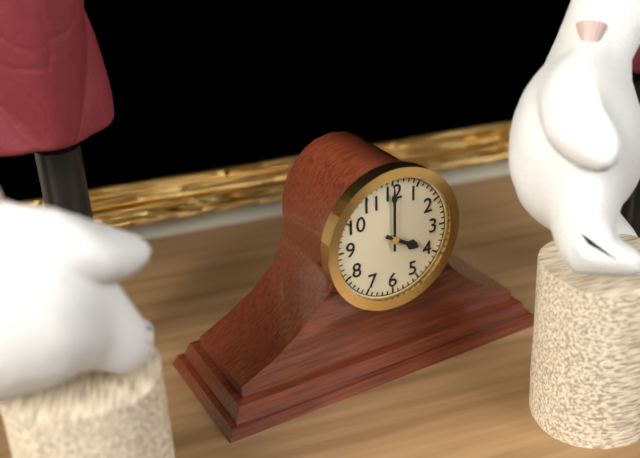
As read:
{"hour": 4, "minute": 0}
